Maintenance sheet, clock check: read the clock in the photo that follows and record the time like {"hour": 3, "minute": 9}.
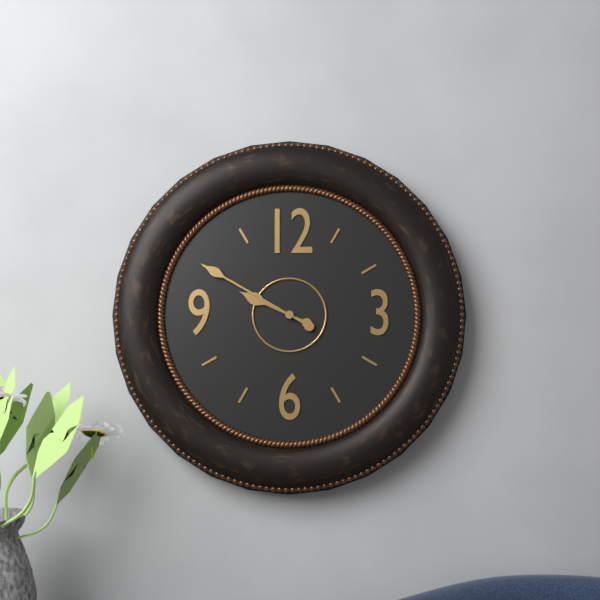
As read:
{"hour": 9, "minute": 50}
